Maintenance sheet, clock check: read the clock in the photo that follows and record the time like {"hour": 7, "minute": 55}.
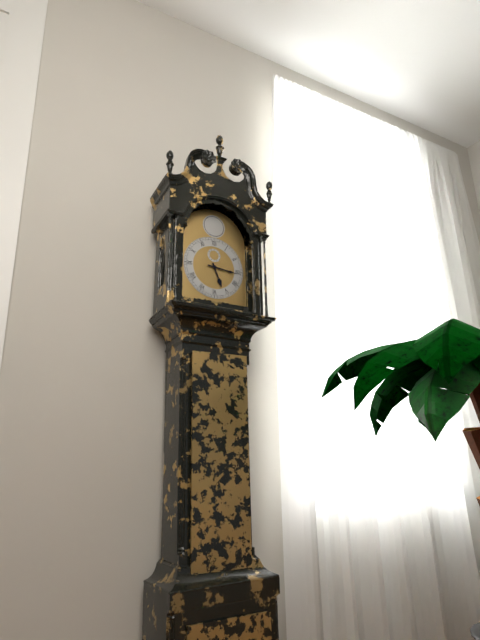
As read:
{"hour": 5, "minute": 16}
